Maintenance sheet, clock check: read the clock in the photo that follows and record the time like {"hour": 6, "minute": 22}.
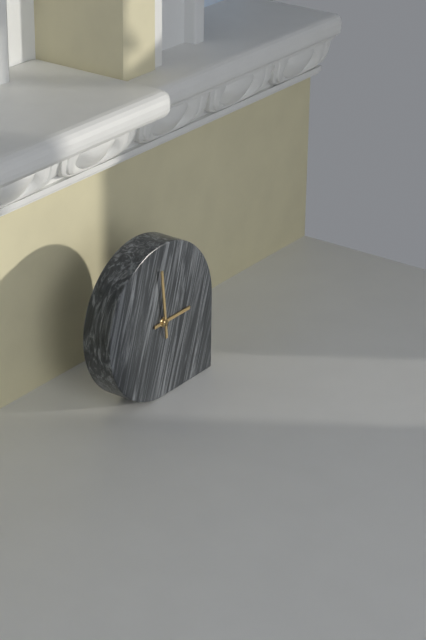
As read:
{"hour": 2, "minute": 59}
